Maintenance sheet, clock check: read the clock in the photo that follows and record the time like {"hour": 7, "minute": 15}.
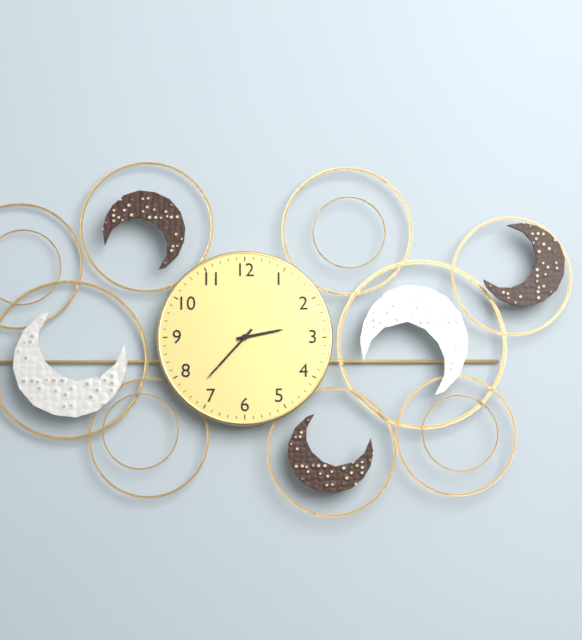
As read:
{"hour": 2, "minute": 37}
